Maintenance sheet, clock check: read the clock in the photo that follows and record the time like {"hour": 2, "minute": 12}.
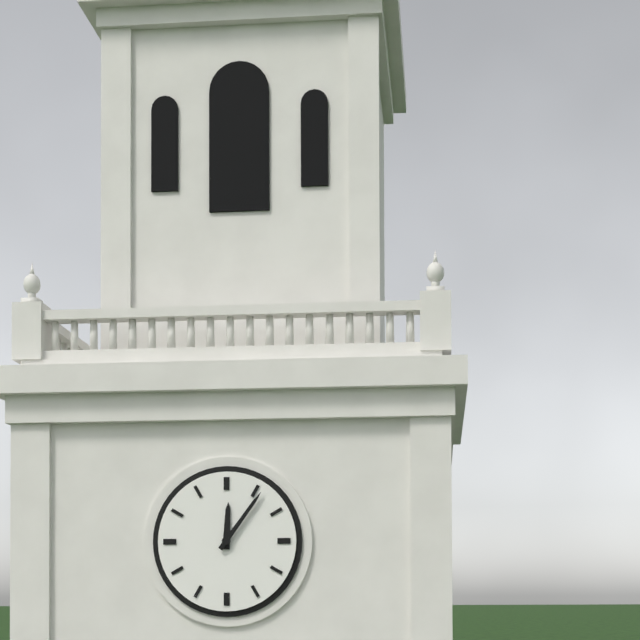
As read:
{"hour": 12, "minute": 6}
